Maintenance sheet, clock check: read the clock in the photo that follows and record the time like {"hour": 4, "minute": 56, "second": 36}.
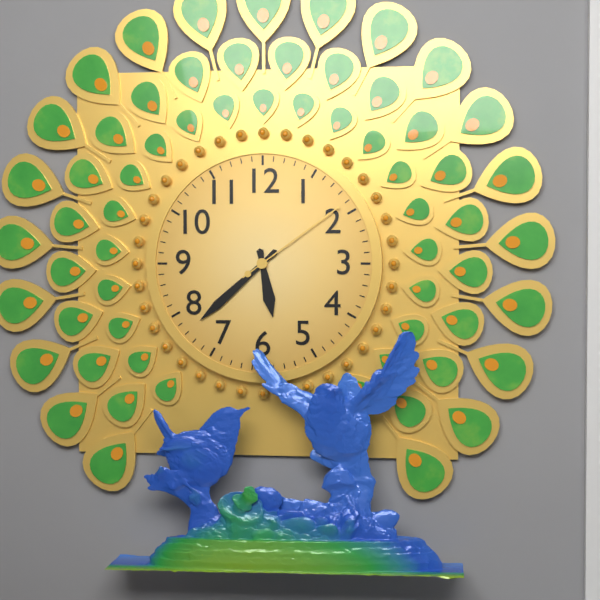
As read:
{"hour": 5, "minute": 38, "second": 9}
